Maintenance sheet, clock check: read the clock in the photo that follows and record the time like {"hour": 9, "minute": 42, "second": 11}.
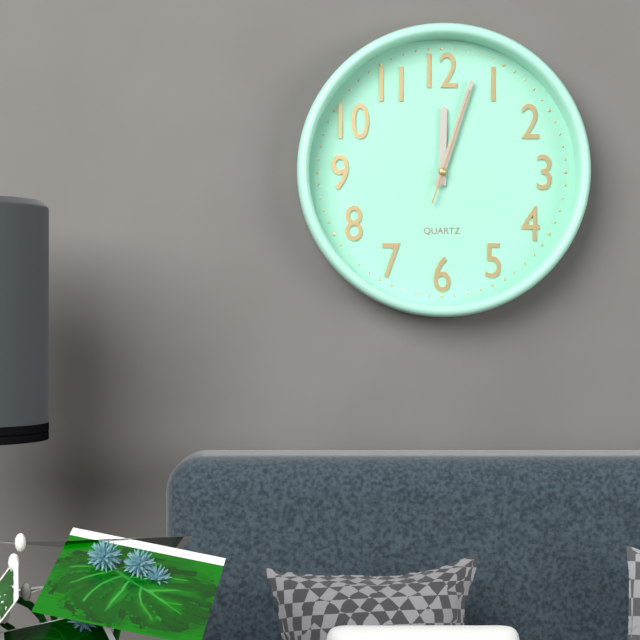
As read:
{"hour": 12, "minute": 3, "second": 3}
